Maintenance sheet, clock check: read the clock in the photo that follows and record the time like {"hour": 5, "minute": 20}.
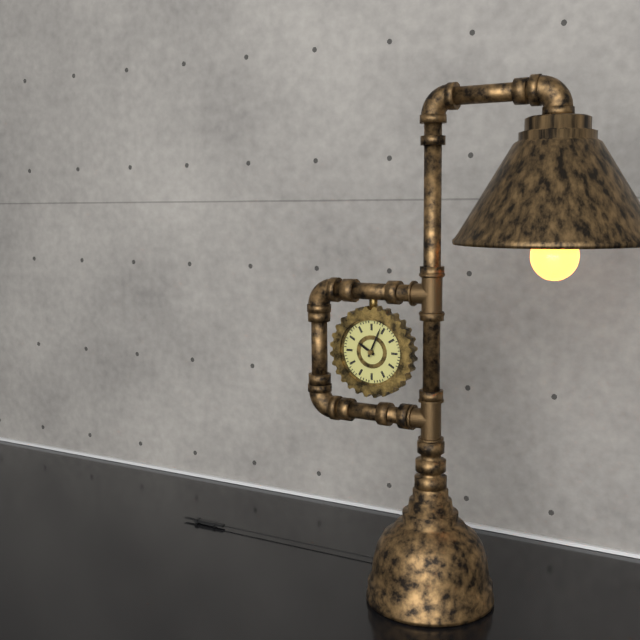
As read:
{"hour": 10, "minute": 4}
